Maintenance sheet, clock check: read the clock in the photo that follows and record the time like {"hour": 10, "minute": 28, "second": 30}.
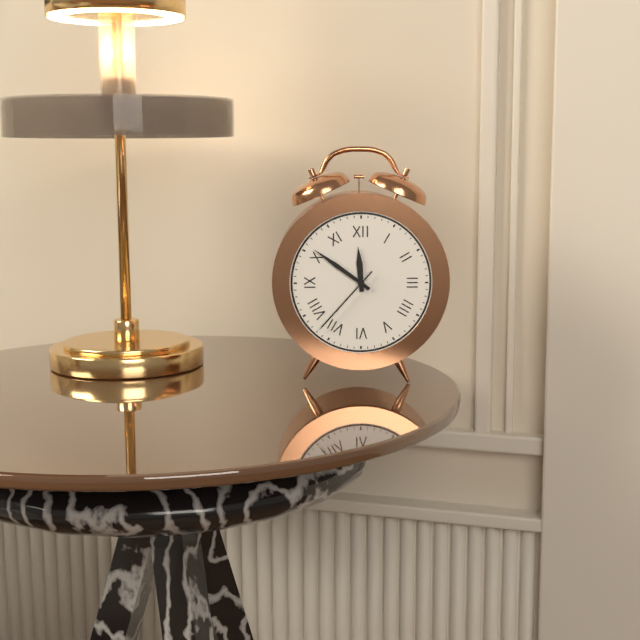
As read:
{"hour": 11, "minute": 51, "second": 37}
